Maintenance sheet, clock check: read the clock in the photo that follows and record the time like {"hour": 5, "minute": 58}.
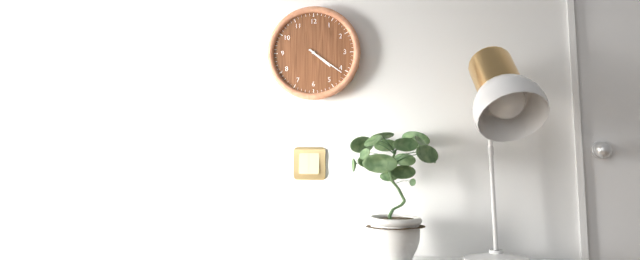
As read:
{"hour": 4, "minute": 21}
